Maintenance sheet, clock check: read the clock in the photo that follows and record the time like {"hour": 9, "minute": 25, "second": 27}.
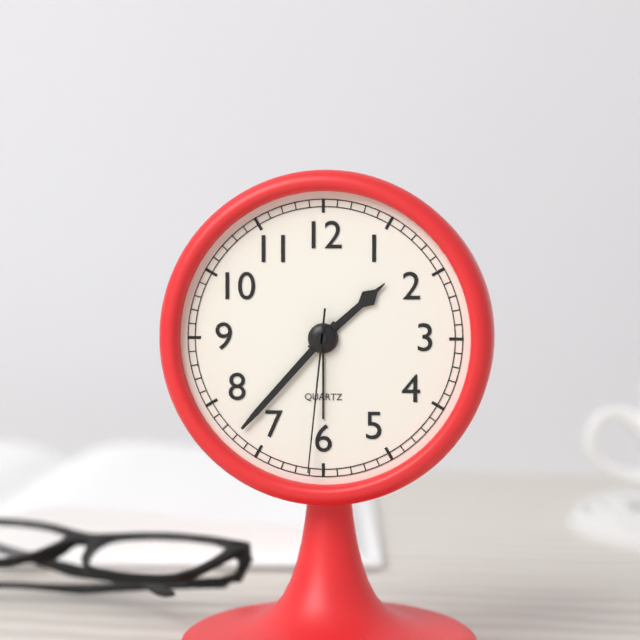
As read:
{"hour": 1, "minute": 37, "second": 31}
